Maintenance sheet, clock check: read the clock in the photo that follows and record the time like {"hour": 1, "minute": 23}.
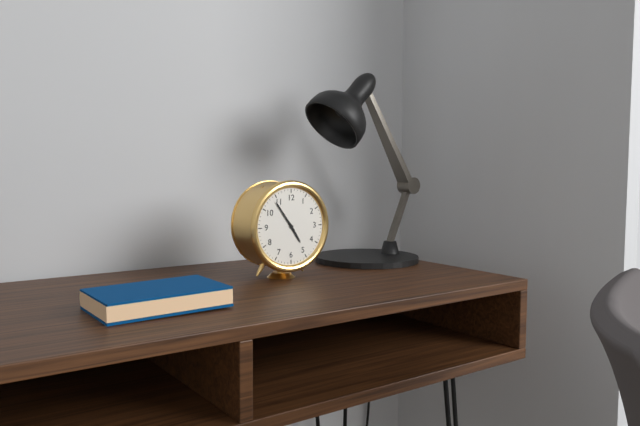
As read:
{"hour": 4, "minute": 54}
